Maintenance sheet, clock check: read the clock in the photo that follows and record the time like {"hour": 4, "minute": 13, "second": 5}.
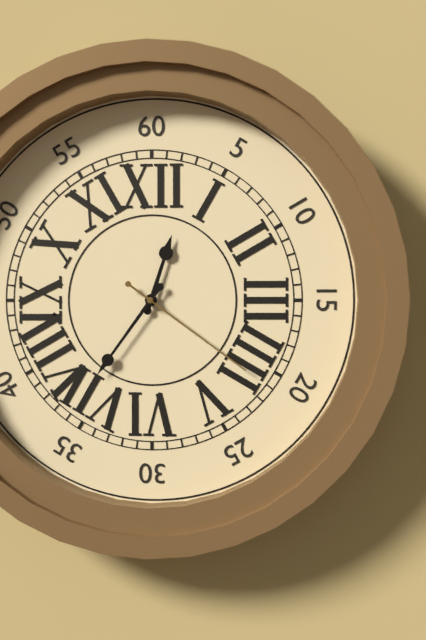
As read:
{"hour": 12, "minute": 36, "second": 21}
